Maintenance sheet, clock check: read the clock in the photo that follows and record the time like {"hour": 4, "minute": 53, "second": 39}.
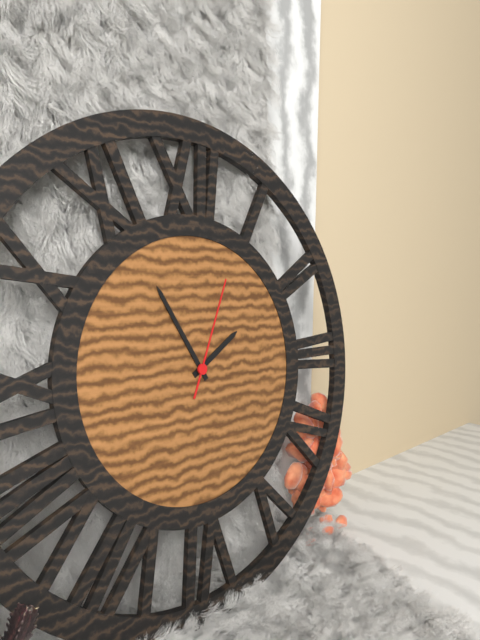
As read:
{"hour": 1, "minute": 55, "second": 4}
